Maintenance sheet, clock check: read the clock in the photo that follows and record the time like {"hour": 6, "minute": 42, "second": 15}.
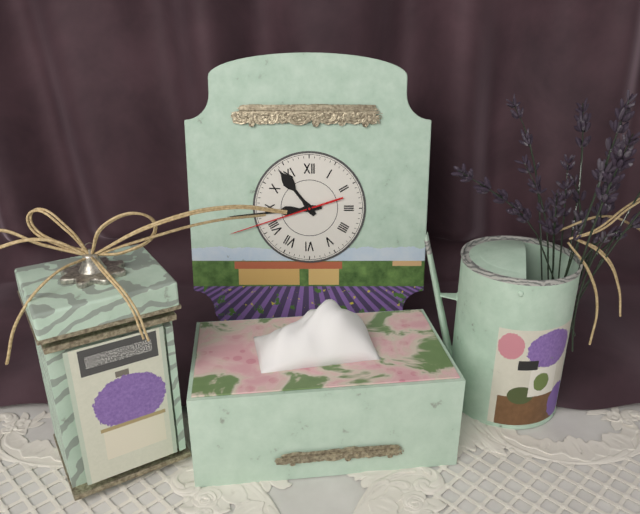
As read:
{"hour": 10, "minute": 44, "second": 42}
